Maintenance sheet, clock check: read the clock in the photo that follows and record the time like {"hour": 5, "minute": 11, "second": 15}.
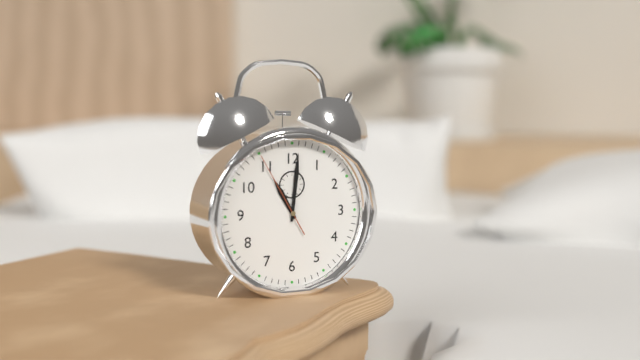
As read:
{"hour": 11, "minute": 1, "second": 55}
